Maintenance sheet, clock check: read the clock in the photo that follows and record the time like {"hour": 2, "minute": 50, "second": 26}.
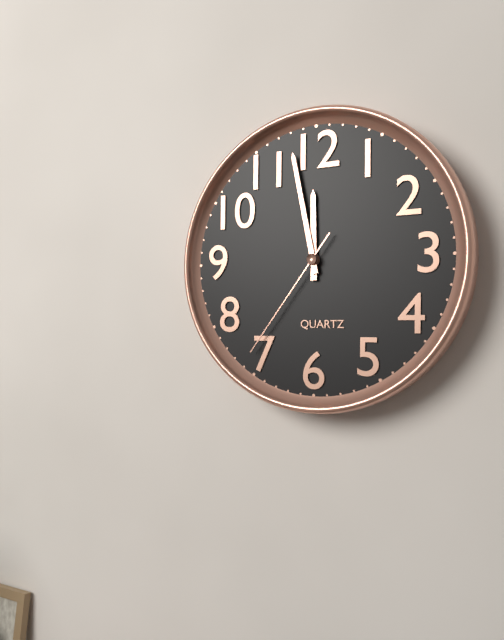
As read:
{"hour": 11, "minute": 58, "second": 36}
